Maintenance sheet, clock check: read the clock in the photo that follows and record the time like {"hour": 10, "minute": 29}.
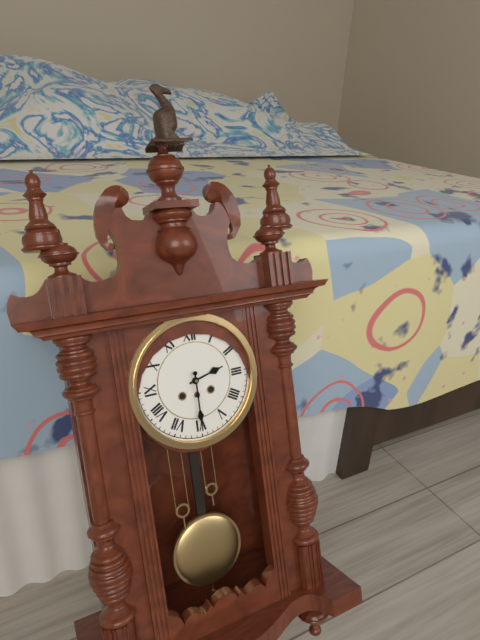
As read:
{"hour": 2, "minute": 30}
